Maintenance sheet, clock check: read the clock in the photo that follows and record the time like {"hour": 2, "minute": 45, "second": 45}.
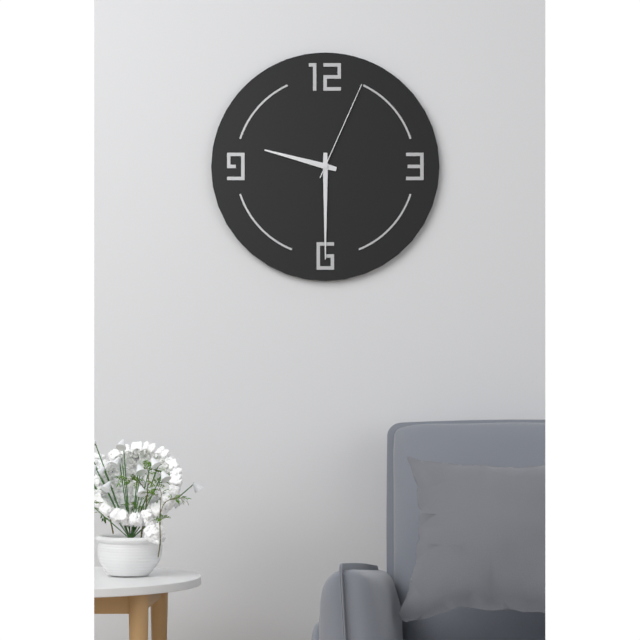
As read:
{"hour": 9, "minute": 30, "second": 4}
